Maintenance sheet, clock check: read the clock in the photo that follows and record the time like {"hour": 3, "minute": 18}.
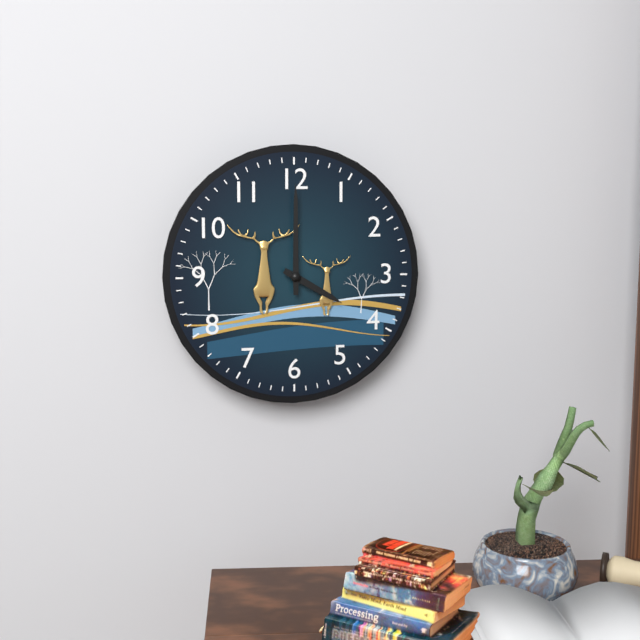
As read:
{"hour": 4, "minute": 0}
